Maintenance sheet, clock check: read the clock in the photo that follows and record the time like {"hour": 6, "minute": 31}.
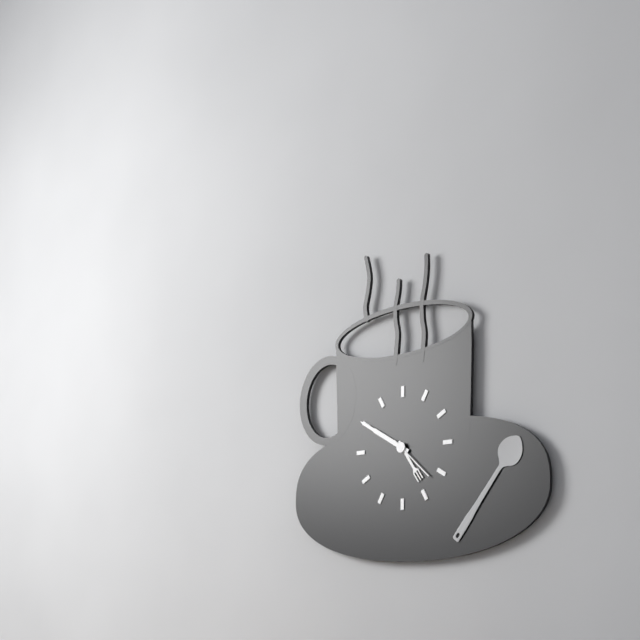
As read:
{"hour": 4, "minute": 50}
